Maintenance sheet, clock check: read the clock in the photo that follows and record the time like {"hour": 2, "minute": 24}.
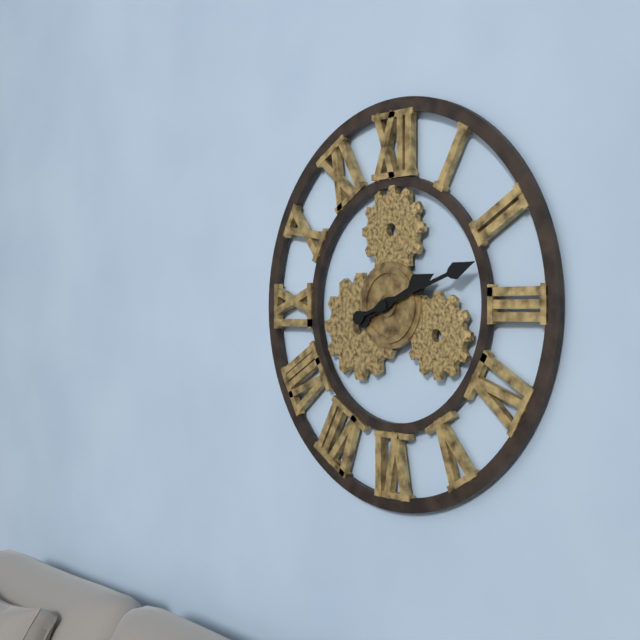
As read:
{"hour": 2, "minute": 12}
